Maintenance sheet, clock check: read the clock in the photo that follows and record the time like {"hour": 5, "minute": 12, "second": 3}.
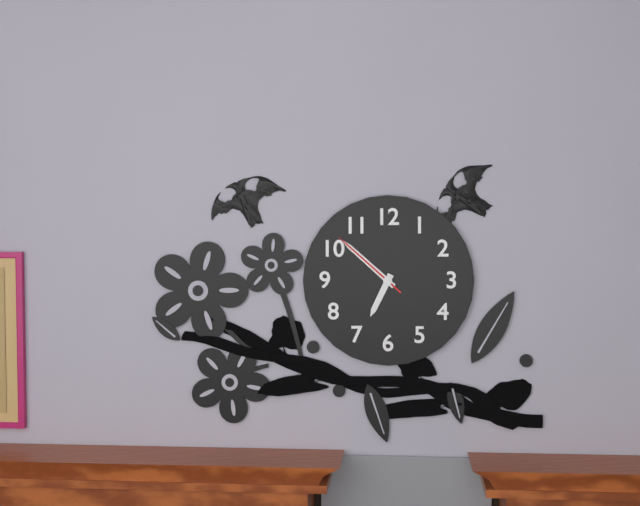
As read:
{"hour": 6, "minute": 52, "second": 52}
